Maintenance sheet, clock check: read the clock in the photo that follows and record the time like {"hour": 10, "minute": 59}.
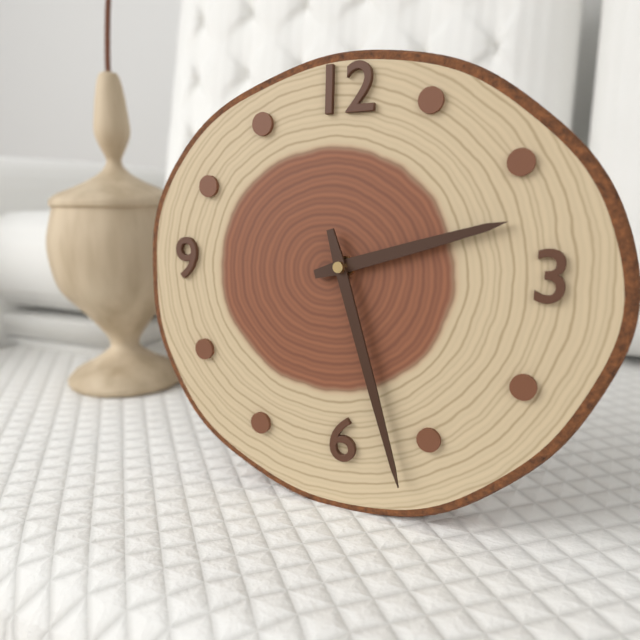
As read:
{"hour": 2, "minute": 27}
